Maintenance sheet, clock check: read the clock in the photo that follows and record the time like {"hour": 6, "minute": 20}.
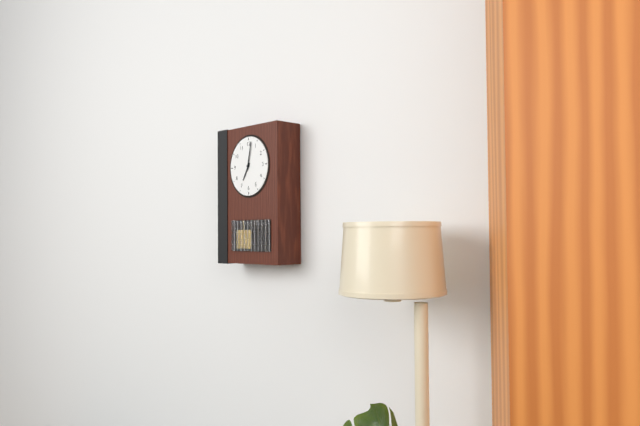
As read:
{"hour": 7, "minute": 2}
